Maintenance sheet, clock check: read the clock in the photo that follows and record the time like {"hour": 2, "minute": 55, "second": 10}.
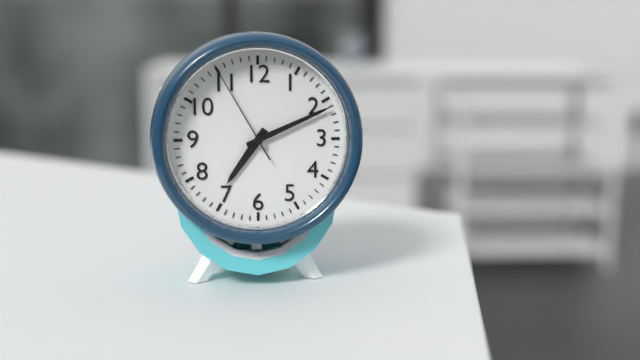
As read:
{"hour": 7, "minute": 11, "second": 55}
